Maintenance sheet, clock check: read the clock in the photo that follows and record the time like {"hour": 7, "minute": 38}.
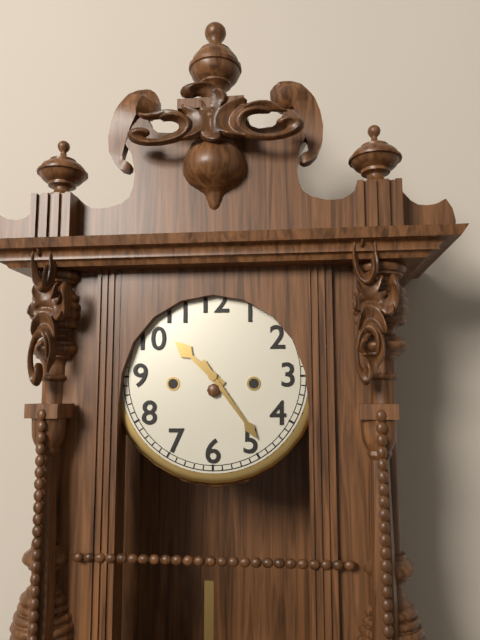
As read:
{"hour": 10, "minute": 24}
